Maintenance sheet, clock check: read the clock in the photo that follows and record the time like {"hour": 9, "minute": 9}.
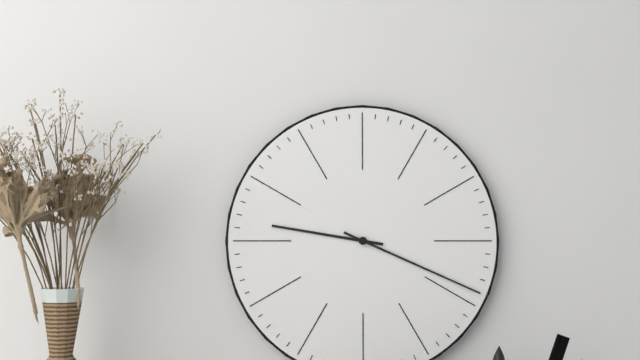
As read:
{"hour": 9, "minute": 19}
